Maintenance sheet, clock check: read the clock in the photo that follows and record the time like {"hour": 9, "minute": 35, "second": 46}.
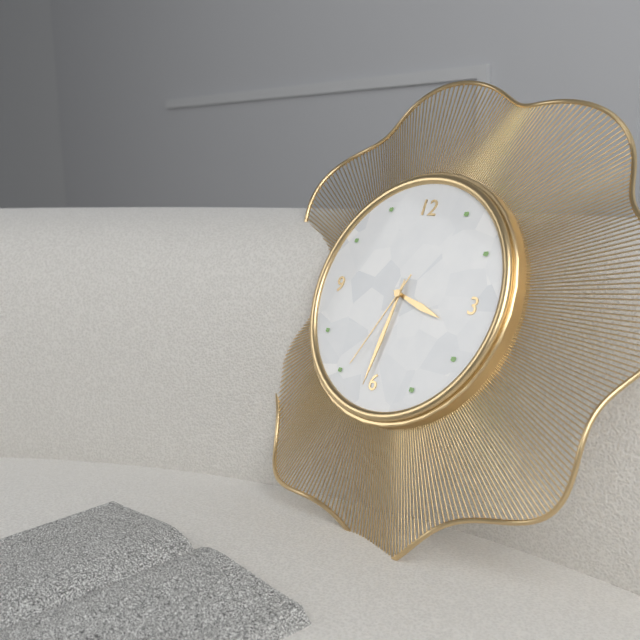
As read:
{"hour": 3, "minute": 31, "second": 34}
